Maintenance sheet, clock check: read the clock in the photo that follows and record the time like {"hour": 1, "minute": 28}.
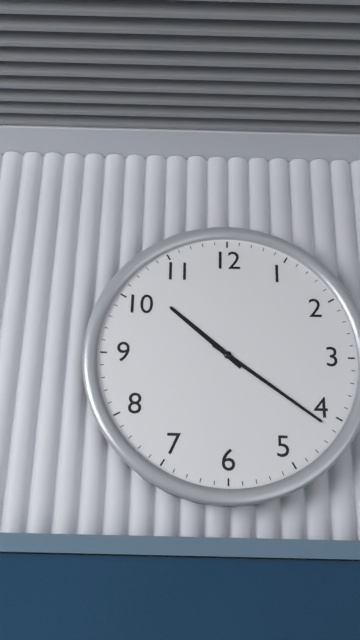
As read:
{"hour": 10, "minute": 21}
